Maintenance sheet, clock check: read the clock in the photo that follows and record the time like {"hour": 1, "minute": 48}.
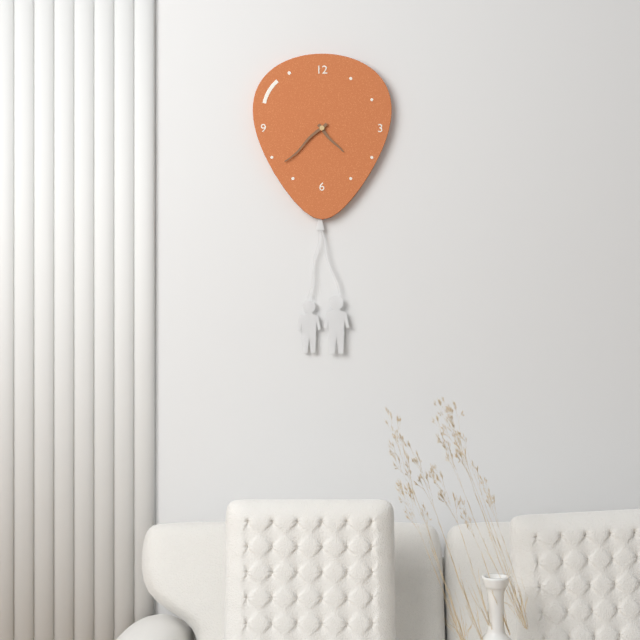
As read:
{"hour": 4, "minute": 38}
